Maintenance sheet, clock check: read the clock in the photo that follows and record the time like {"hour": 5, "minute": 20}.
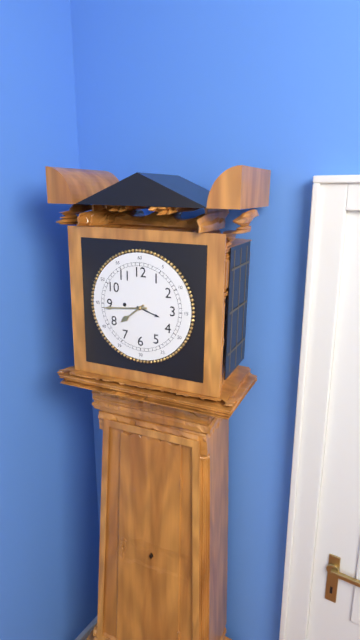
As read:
{"hour": 7, "minute": 44}
